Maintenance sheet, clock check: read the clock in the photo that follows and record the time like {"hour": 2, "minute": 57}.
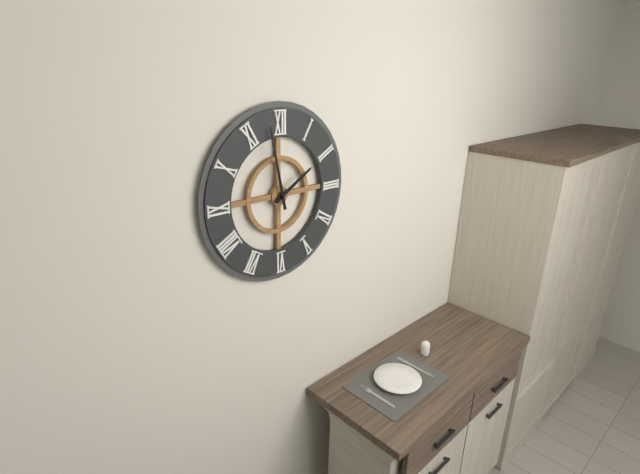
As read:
{"hour": 1, "minute": 58}
